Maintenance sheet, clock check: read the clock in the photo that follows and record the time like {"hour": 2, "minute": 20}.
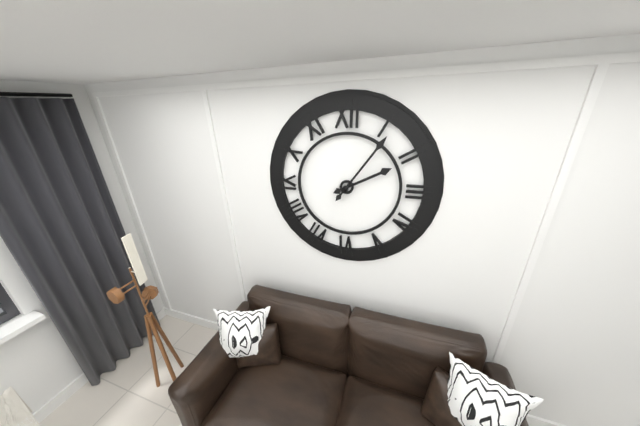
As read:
{"hour": 2, "minute": 6}
